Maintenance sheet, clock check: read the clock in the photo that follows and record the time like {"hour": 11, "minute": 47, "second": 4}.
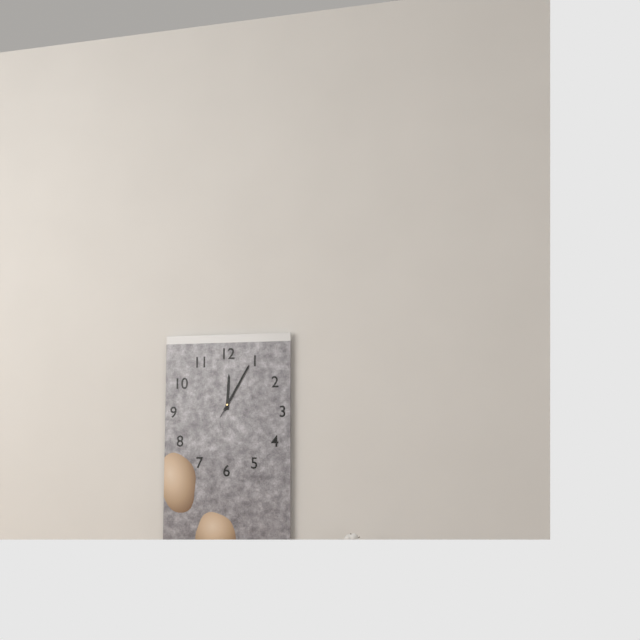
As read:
{"hour": 12, "minute": 5, "second": 5}
